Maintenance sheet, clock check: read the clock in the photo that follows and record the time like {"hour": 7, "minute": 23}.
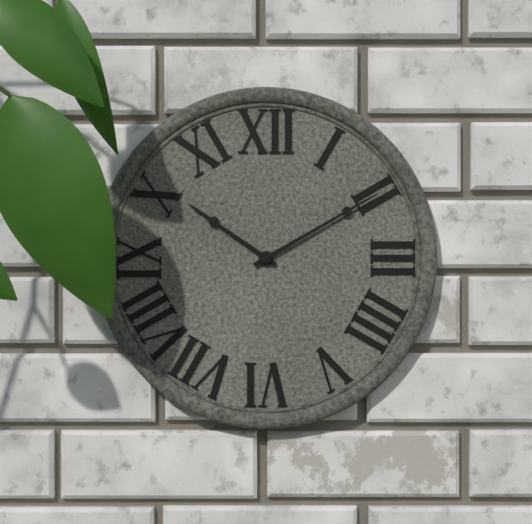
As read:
{"hour": 10, "minute": 10}
